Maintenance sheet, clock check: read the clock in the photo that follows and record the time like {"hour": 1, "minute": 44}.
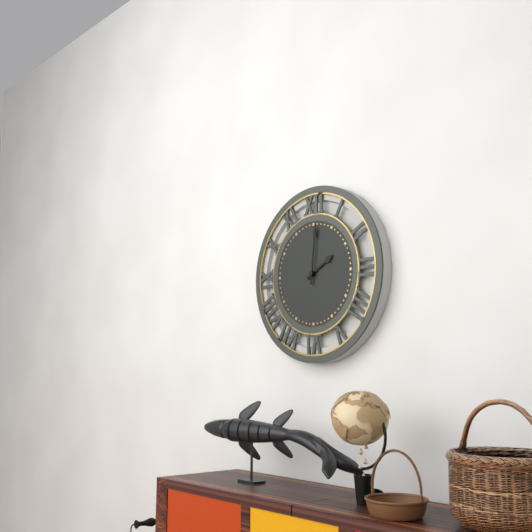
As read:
{"hour": 2, "minute": 1}
